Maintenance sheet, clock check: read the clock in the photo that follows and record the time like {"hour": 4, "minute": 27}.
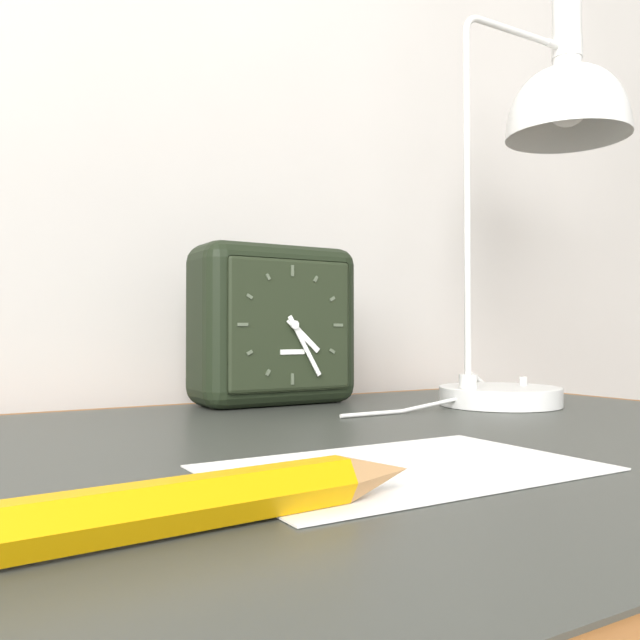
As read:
{"hour": 4, "minute": 25}
